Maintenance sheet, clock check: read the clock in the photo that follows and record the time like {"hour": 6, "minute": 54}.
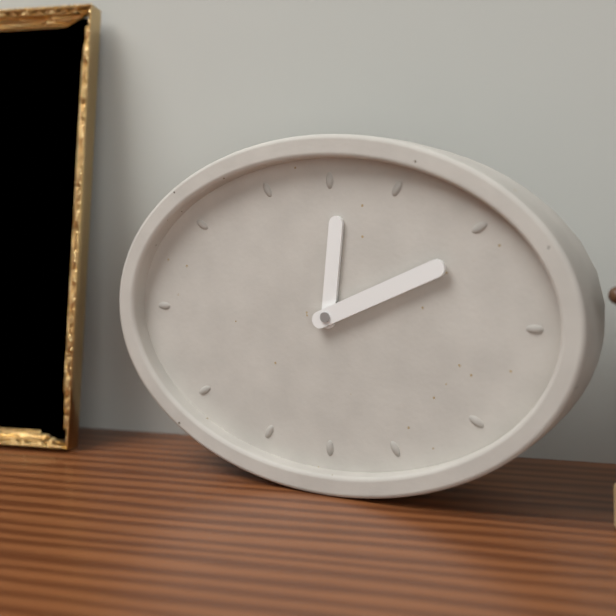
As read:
{"hour": 12, "minute": 11}
